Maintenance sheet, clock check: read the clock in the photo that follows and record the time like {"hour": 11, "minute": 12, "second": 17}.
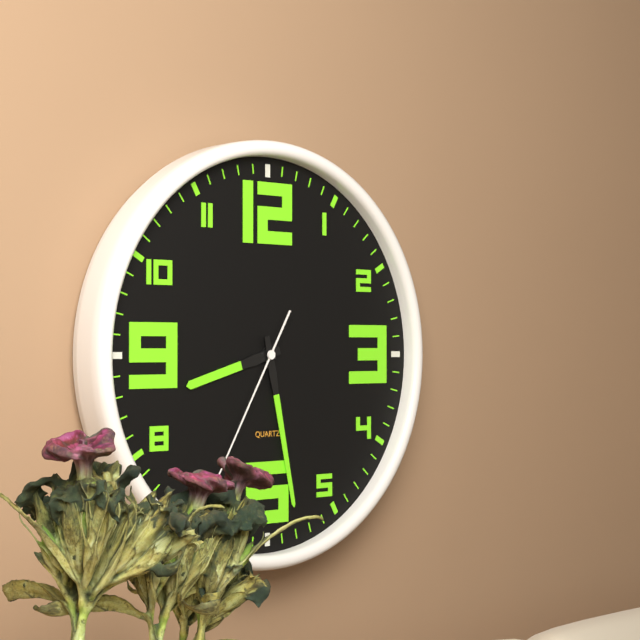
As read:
{"hour": 8, "minute": 28, "second": 35}
